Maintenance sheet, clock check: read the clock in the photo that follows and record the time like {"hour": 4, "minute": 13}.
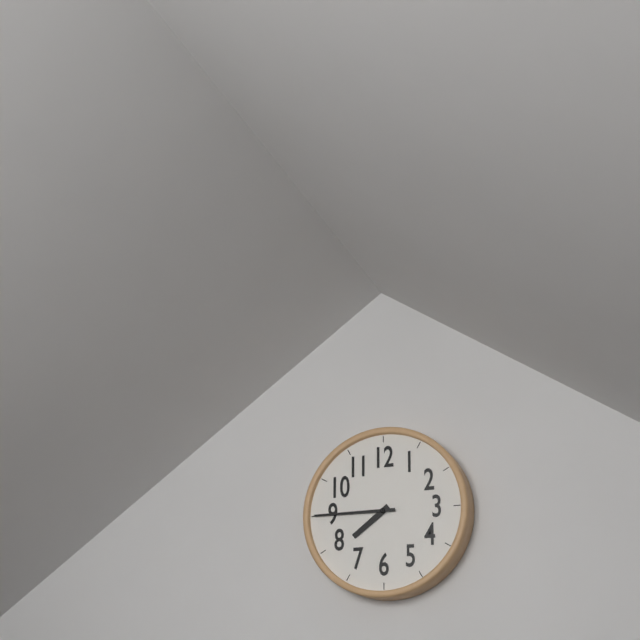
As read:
{"hour": 7, "minute": 45}
